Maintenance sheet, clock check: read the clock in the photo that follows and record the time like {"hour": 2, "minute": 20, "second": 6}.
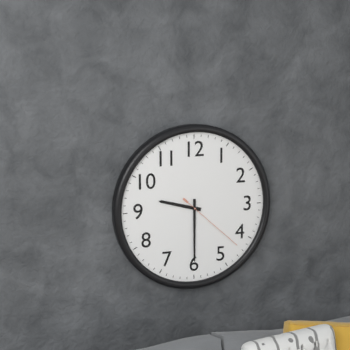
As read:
{"hour": 9, "minute": 30, "second": 22}
